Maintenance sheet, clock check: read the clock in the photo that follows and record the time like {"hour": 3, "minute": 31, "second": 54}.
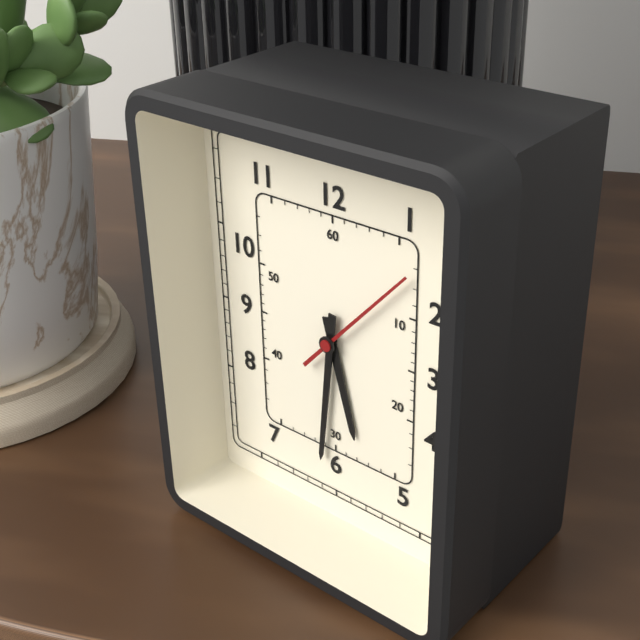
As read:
{"hour": 5, "minute": 31, "second": 7}
